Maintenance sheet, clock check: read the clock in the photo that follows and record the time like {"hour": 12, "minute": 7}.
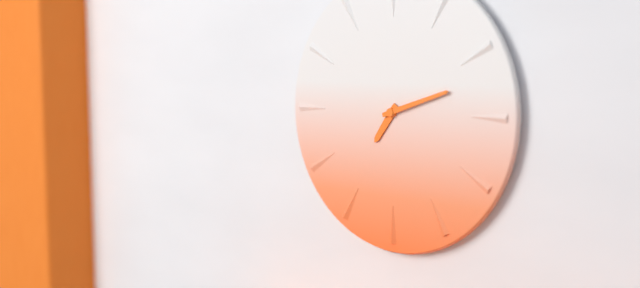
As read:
{"hour": 7, "minute": 12}
